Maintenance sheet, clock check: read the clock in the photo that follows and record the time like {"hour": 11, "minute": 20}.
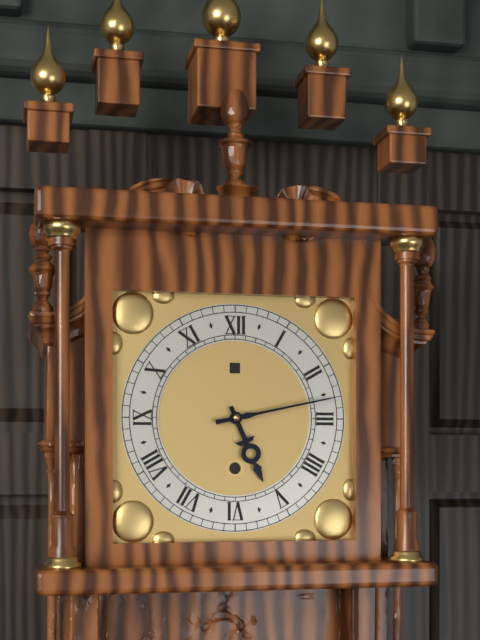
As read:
{"hour": 5, "minute": 13}
